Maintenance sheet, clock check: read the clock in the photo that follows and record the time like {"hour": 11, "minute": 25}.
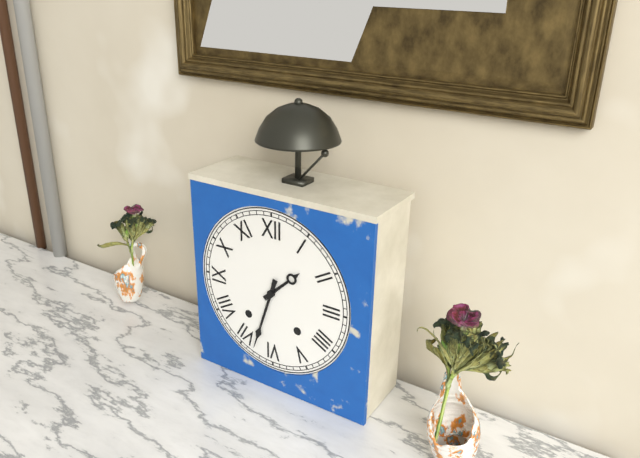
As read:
{"hour": 1, "minute": 33}
